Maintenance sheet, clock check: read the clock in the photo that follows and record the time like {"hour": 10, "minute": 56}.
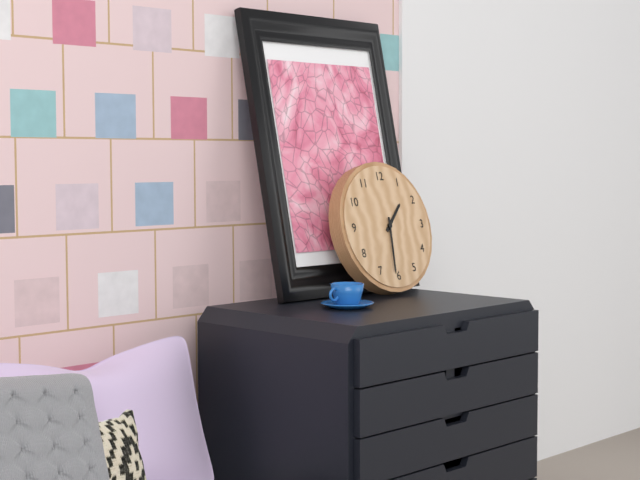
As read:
{"hour": 1, "minute": 31}
